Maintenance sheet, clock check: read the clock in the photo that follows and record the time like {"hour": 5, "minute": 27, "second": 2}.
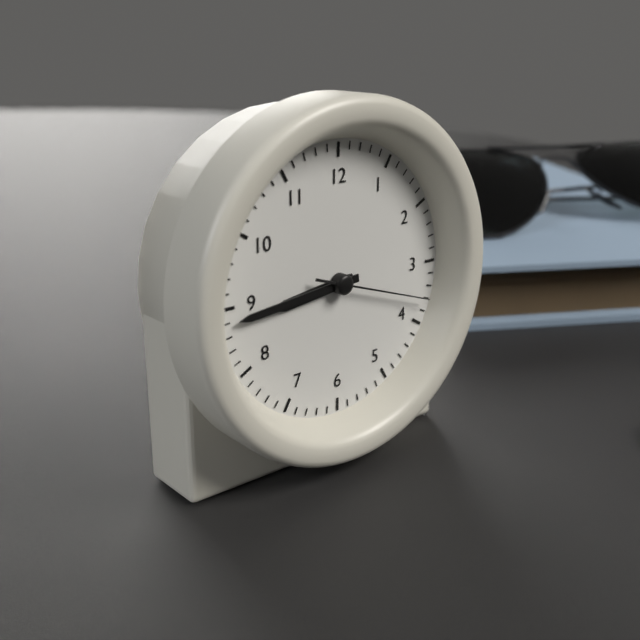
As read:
{"hour": 8, "minute": 44, "second": 18}
